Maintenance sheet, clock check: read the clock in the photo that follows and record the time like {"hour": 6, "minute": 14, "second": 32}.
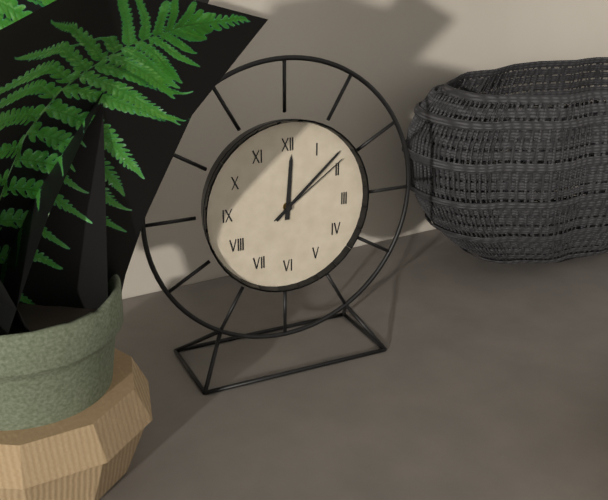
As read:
{"hour": 12, "minute": 8, "second": 9}
